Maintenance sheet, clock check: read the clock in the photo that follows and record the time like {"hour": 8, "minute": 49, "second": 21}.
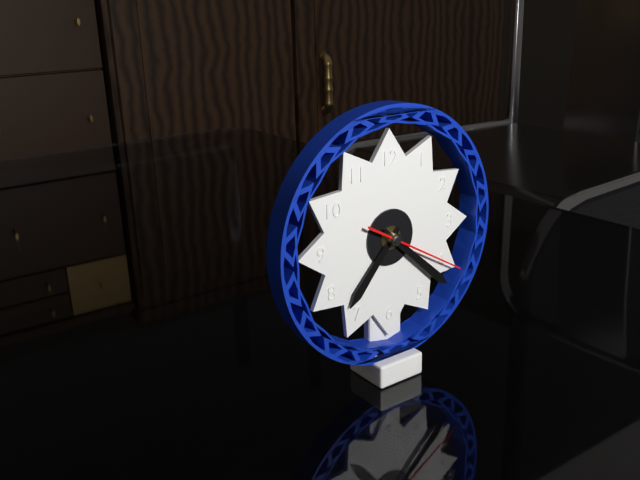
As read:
{"hour": 7, "minute": 22, "second": 20}
